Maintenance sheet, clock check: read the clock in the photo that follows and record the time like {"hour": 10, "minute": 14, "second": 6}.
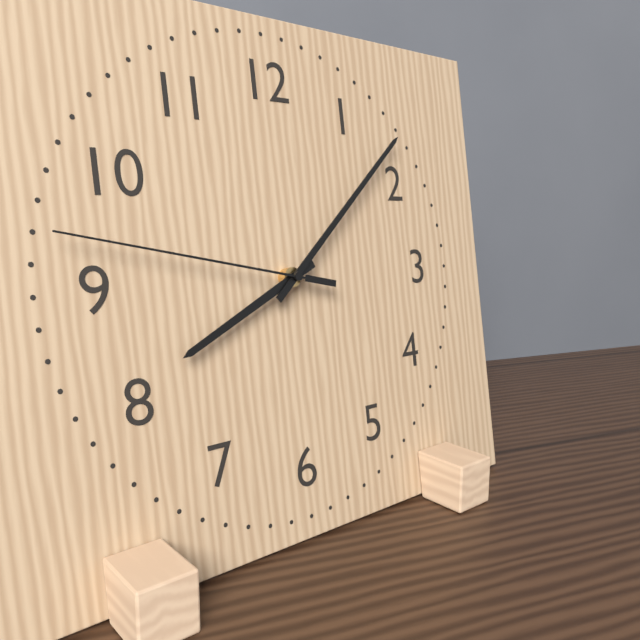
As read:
{"hour": 8, "minute": 8, "second": 47}
